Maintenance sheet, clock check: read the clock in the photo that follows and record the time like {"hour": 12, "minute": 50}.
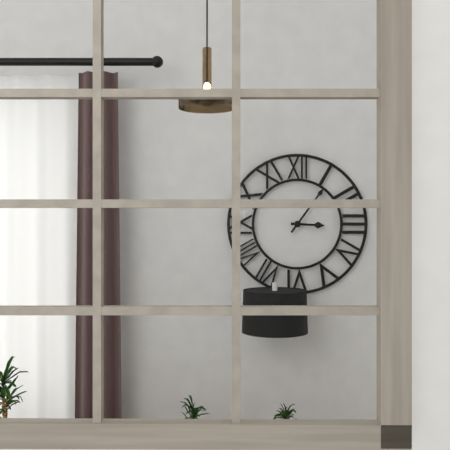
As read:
{"hour": 3, "minute": 6}
